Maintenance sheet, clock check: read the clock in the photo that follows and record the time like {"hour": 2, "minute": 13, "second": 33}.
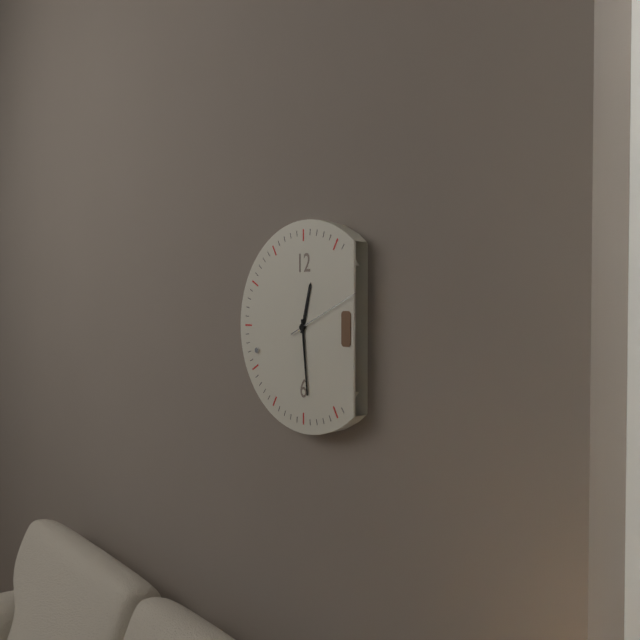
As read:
{"hour": 12, "minute": 29, "second": 11}
